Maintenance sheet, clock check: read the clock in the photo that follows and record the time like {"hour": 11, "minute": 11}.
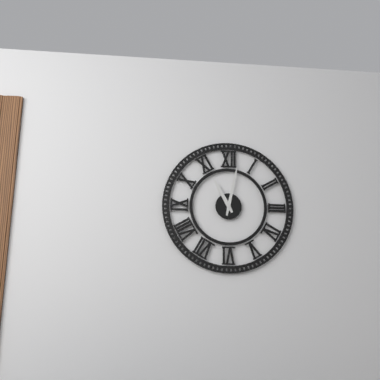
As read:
{"hour": 11, "minute": 2}
